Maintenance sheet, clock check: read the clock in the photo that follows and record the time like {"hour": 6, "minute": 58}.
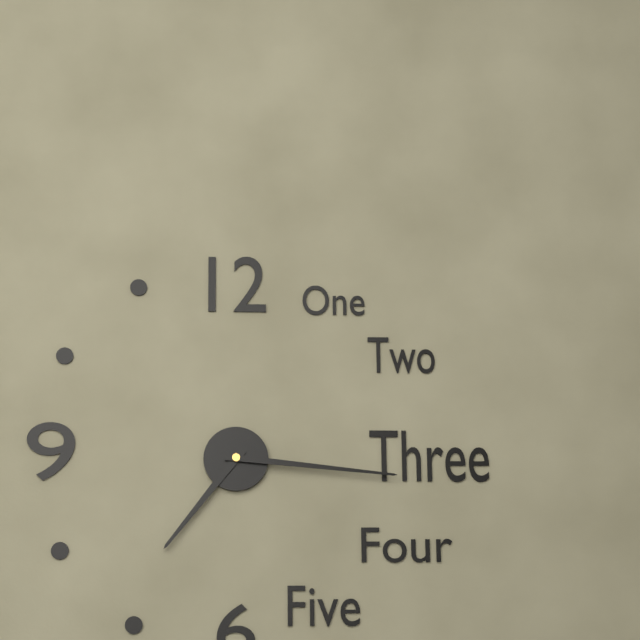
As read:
{"hour": 7, "minute": 16}
